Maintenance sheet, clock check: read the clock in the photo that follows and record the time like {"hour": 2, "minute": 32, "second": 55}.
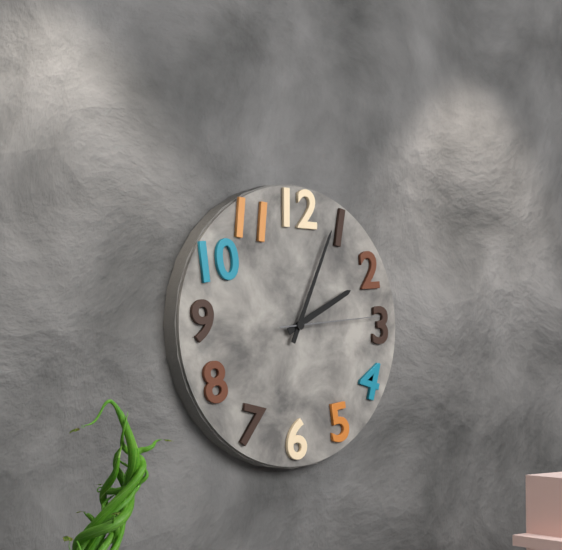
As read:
{"hour": 2, "minute": 4, "second": 14}
